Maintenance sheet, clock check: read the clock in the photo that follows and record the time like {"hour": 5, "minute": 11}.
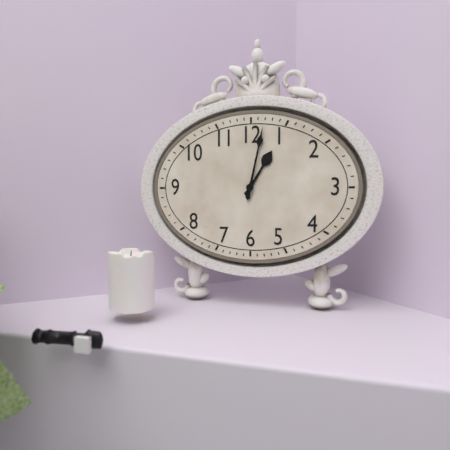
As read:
{"hour": 1, "minute": 2}
